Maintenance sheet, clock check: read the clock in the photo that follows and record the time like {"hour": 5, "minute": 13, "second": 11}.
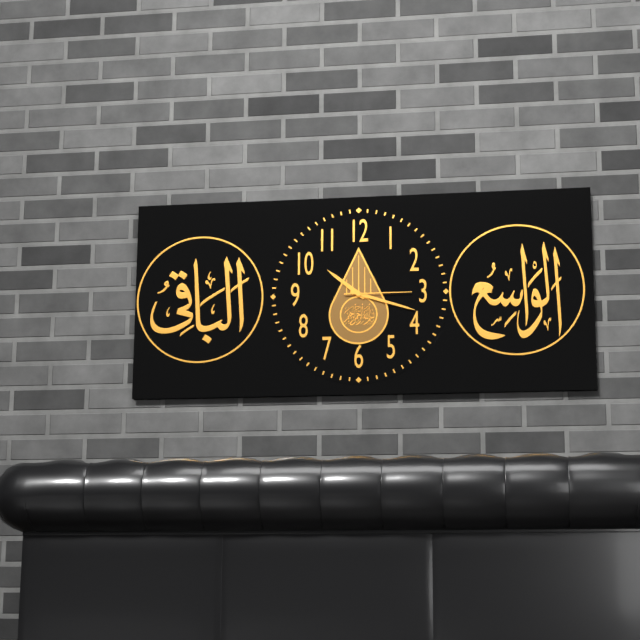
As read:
{"hour": 10, "minute": 18, "second": 15}
